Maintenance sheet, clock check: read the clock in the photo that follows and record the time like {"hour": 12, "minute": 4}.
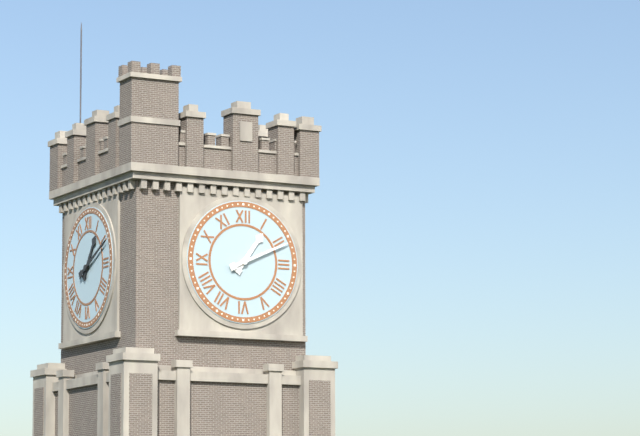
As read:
{"hour": 1, "minute": 11}
